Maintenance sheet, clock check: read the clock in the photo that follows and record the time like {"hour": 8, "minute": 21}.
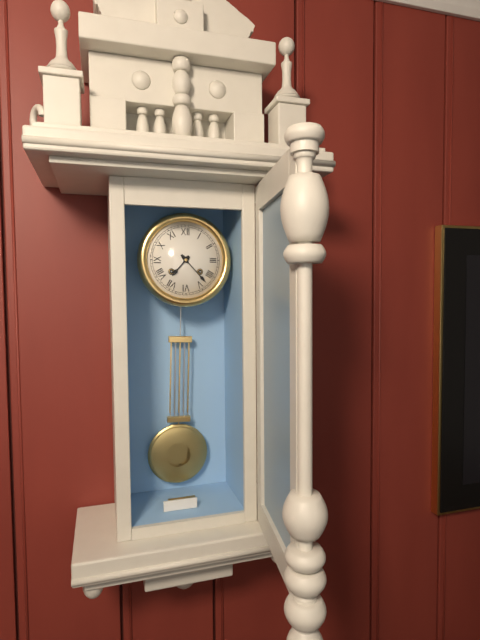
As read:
{"hour": 7, "minute": 23}
